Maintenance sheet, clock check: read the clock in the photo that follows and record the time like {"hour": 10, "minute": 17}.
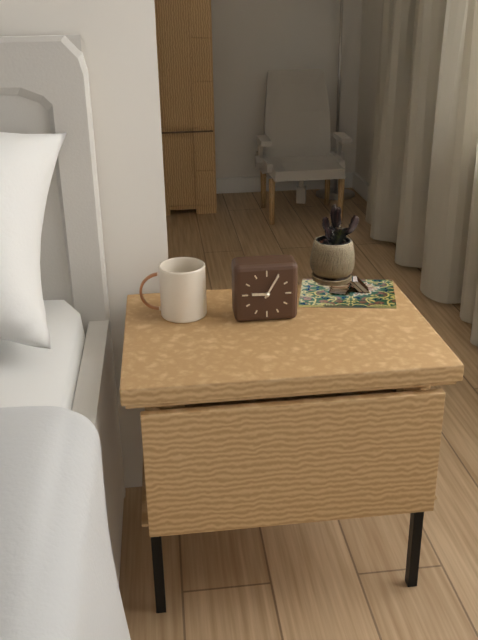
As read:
{"hour": 9, "minute": 5}
